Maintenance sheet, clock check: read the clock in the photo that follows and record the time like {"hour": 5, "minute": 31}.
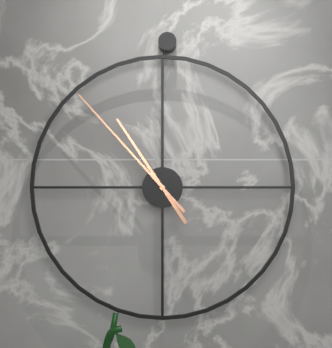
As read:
{"hour": 10, "minute": 53}
